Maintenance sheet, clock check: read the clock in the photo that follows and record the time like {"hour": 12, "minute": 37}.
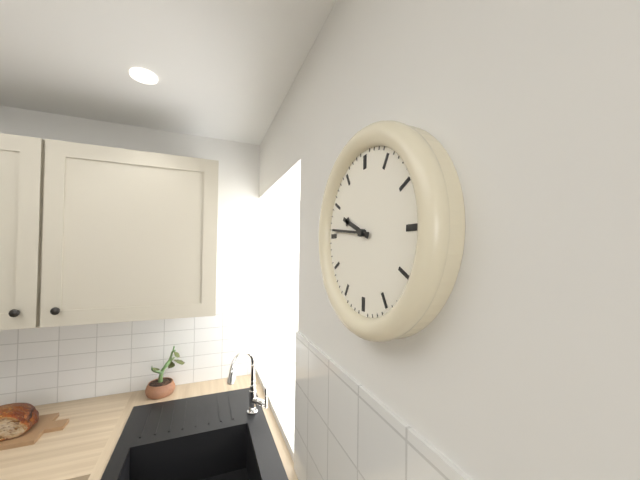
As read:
{"hour": 9, "minute": 46}
